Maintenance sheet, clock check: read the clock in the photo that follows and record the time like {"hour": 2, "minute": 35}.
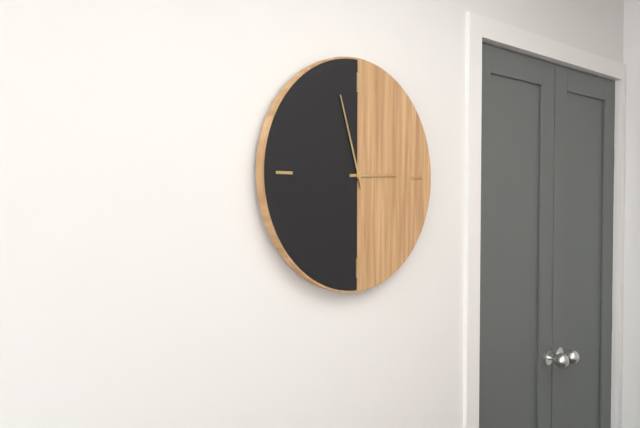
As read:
{"hour": 2, "minute": 57}
